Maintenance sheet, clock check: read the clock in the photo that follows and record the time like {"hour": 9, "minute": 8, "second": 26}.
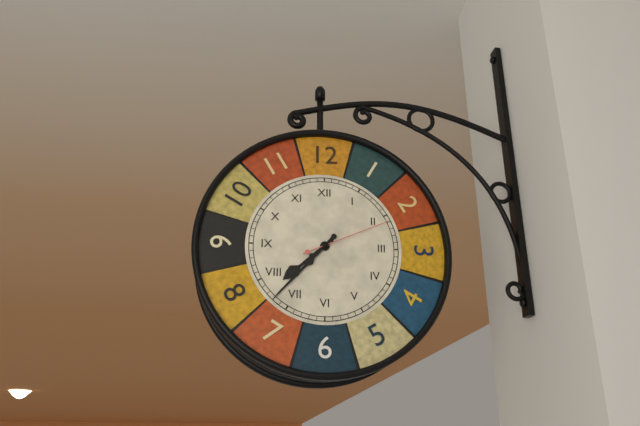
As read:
{"hour": 7, "minute": 37, "second": 11}
